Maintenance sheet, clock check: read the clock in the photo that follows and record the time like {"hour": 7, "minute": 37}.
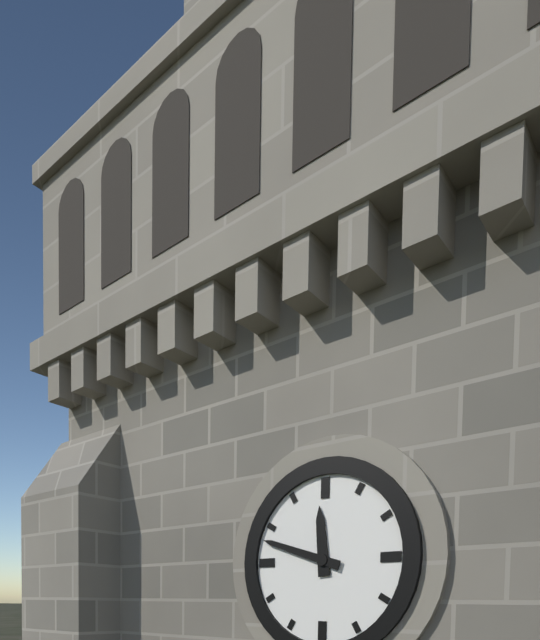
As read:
{"hour": 11, "minute": 48}
